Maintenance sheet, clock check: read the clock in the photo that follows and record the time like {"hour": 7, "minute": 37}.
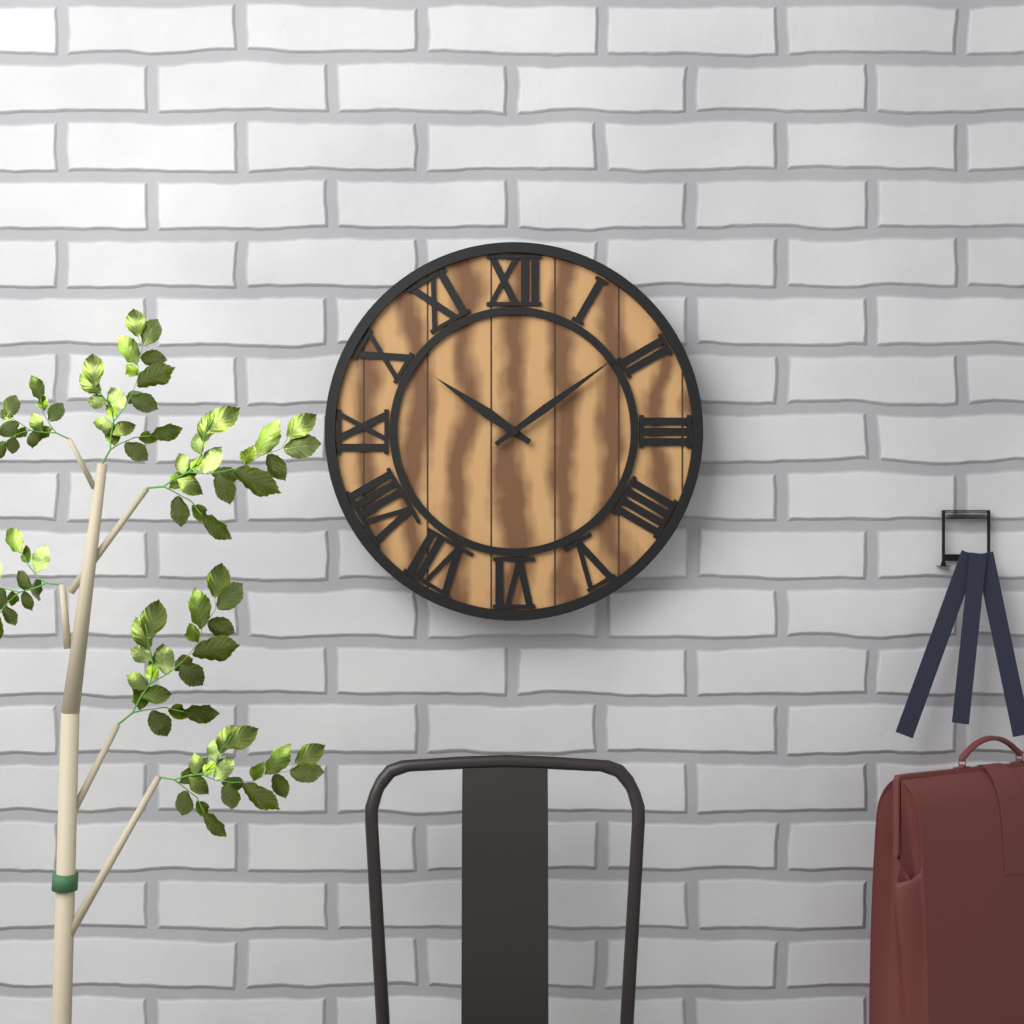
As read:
{"hour": 10, "minute": 9}
